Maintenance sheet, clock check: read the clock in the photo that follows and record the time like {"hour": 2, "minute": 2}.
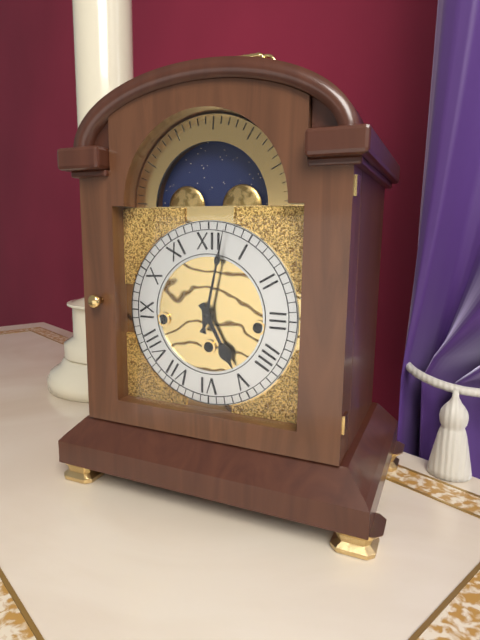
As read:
{"hour": 5, "minute": 2}
